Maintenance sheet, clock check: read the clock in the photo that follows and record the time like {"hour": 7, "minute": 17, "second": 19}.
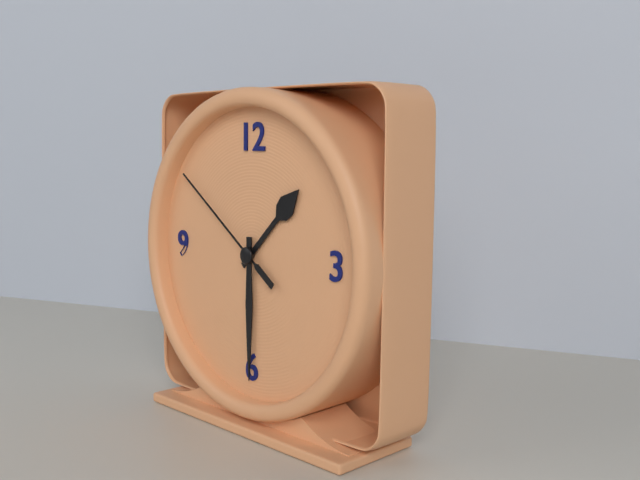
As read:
{"hour": 1, "minute": 30, "second": 51}
